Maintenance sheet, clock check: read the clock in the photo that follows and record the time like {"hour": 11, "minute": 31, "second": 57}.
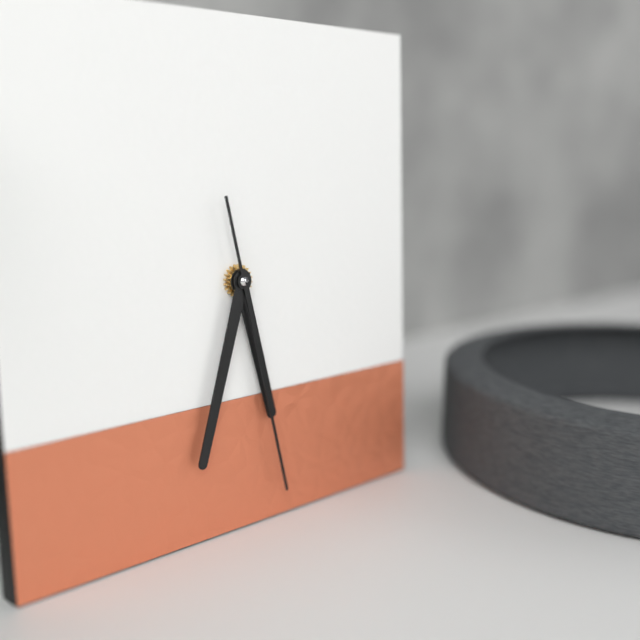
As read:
{"hour": 5, "minute": 33, "second": 28}
